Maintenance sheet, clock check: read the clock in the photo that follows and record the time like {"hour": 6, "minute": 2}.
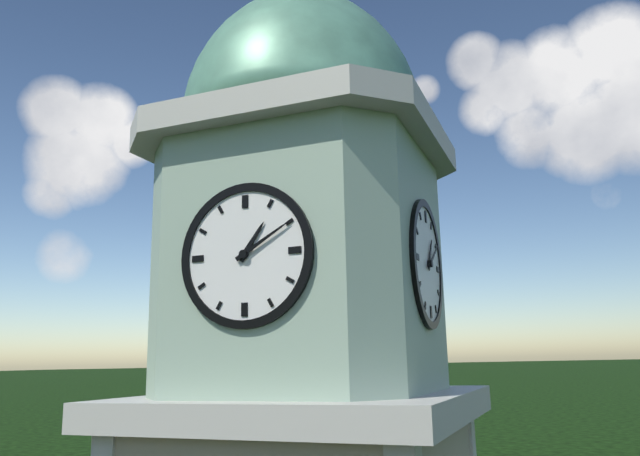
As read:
{"hour": 1, "minute": 10}
